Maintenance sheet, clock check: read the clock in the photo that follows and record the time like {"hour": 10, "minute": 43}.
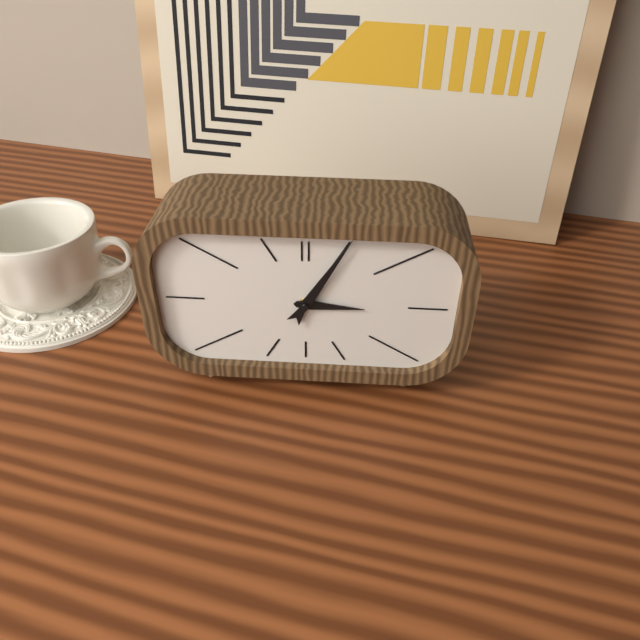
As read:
{"hour": 3, "minute": 5}
